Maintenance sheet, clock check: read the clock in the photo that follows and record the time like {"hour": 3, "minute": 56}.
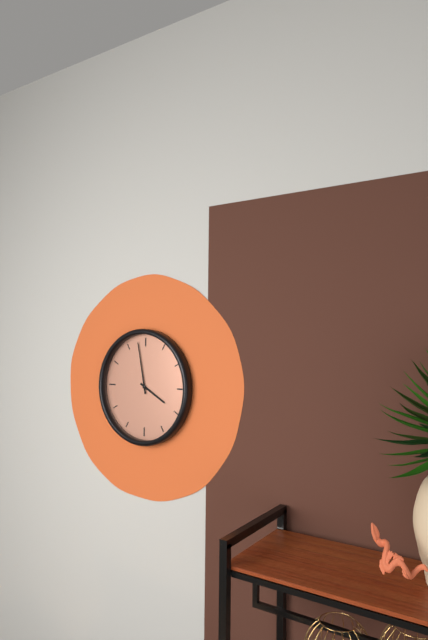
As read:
{"hour": 3, "minute": 58}
